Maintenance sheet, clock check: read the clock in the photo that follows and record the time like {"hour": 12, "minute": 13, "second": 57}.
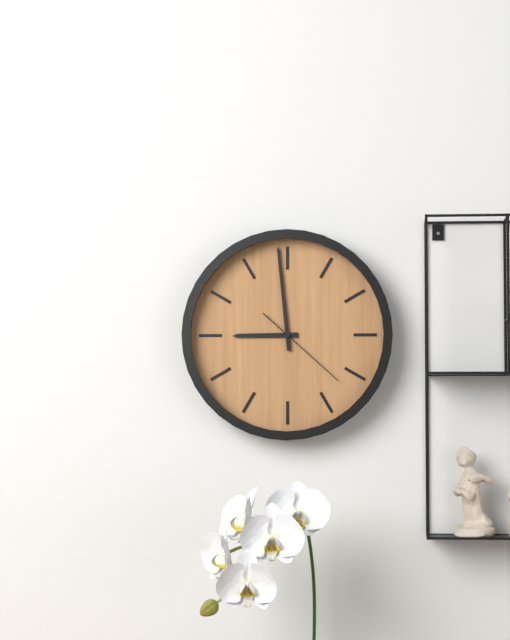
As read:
{"hour": 8, "minute": 59, "second": 22}
